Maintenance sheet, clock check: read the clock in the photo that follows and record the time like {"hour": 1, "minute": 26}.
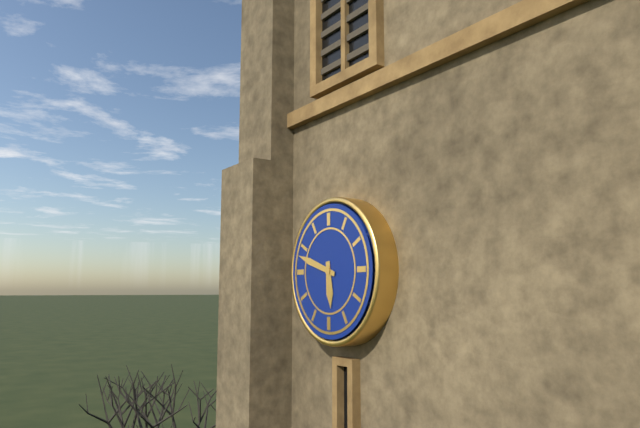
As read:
{"hour": 5, "minute": 48}
